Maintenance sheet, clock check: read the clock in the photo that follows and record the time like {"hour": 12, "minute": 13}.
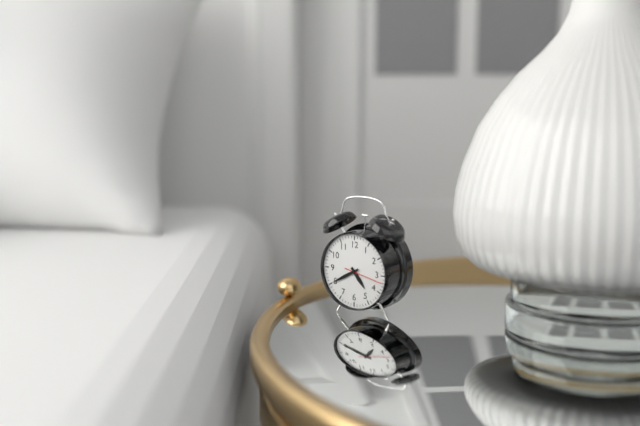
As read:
{"hour": 4, "minute": 40}
